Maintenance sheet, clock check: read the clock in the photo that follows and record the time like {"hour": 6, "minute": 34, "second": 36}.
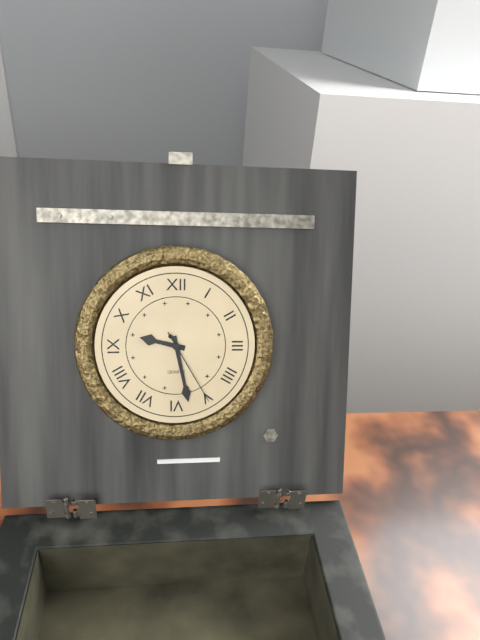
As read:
{"hour": 9, "minute": 28, "second": 25}
